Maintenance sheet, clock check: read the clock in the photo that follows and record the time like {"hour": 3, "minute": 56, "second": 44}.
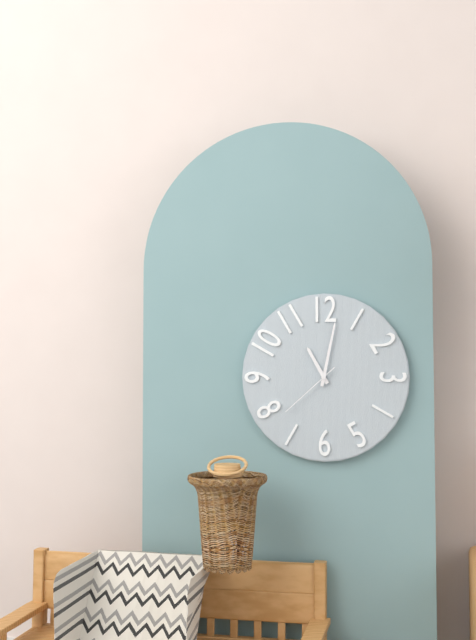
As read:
{"hour": 11, "minute": 2, "second": 38}
